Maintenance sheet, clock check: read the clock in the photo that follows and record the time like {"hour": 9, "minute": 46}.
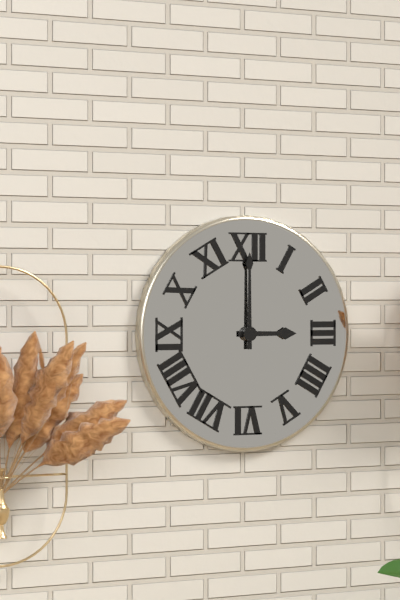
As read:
{"hour": 3, "minute": 0}
